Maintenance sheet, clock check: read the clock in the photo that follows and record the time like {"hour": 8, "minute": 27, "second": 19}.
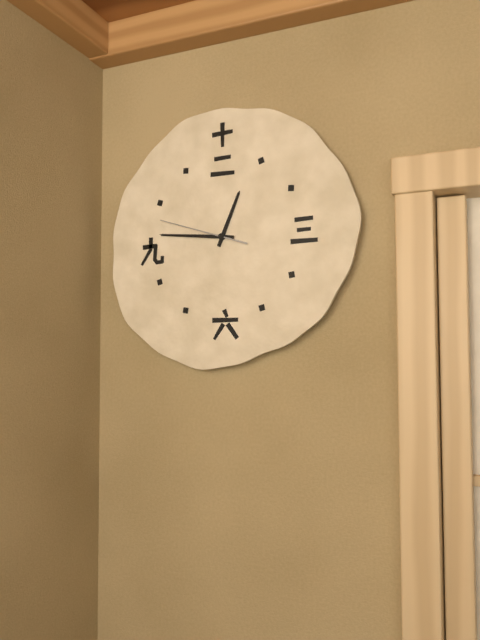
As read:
{"hour": 12, "minute": 46, "second": 48}
